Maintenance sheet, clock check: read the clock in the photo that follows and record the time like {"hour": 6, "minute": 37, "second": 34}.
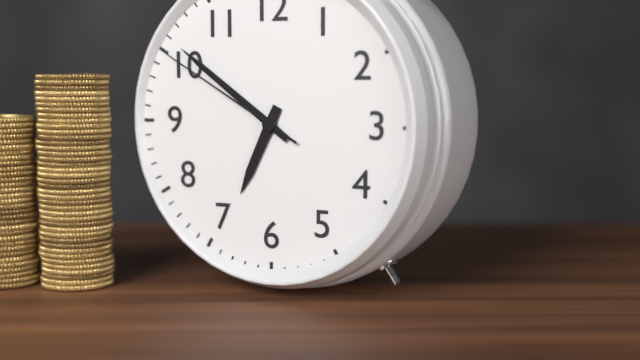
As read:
{"hour": 6, "minute": 51, "second": 50}
